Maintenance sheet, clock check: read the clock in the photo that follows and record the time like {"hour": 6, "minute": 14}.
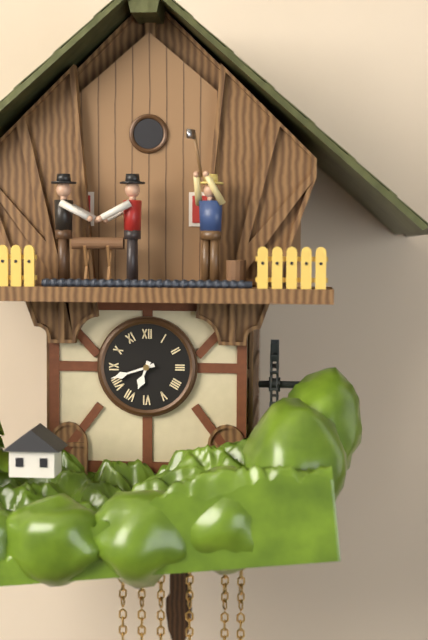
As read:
{"hour": 6, "minute": 42}
